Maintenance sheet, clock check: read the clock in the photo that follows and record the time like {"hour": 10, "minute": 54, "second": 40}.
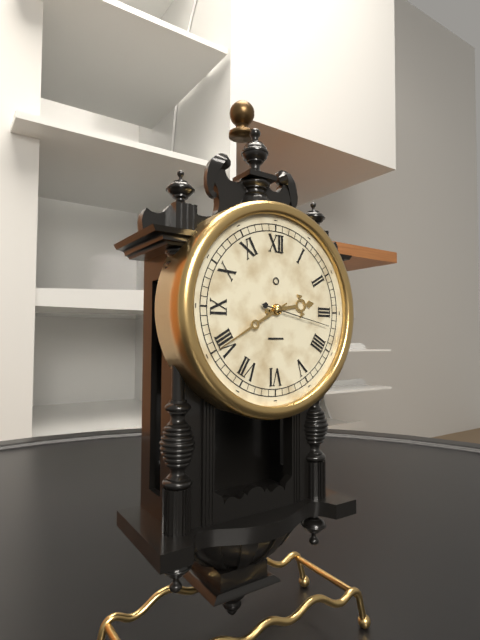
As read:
{"hour": 2, "minute": 40, "second": 17}
